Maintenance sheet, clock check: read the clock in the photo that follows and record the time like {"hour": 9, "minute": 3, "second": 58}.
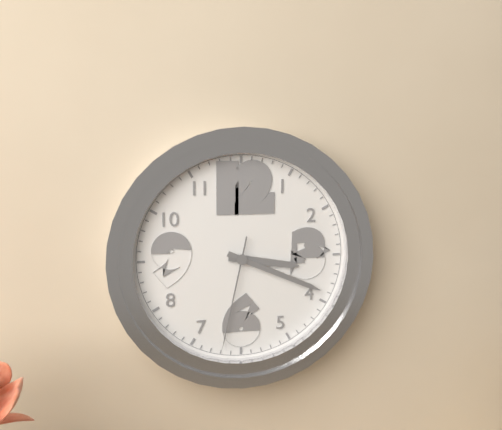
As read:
{"hour": 3, "minute": 19, "second": 32}
